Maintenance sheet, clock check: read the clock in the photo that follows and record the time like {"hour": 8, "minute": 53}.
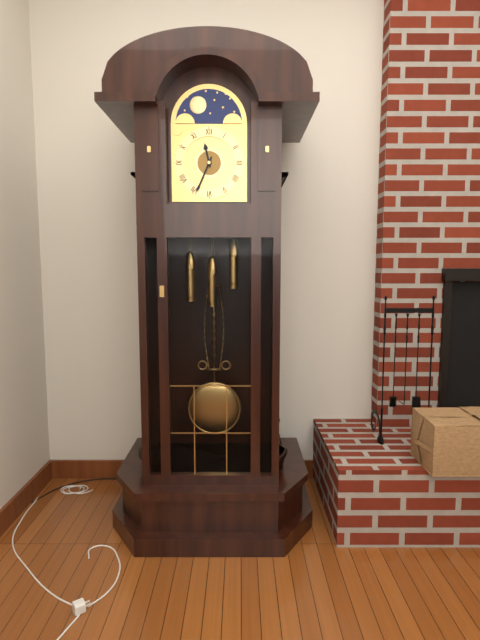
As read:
{"hour": 11, "minute": 34}
